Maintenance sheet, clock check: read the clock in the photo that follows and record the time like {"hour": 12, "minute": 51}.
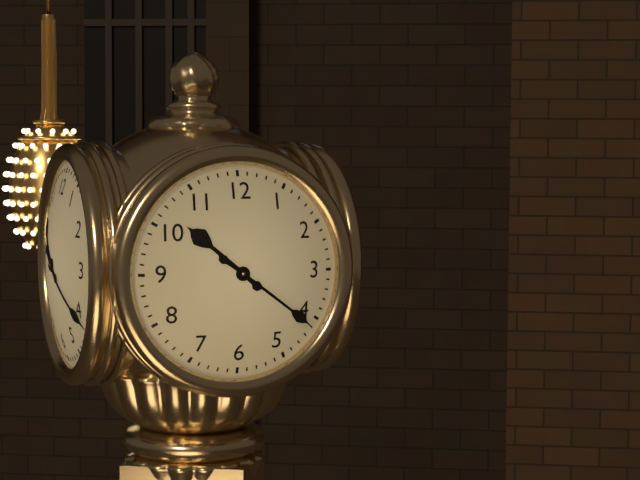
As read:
{"hour": 10, "minute": 21}
